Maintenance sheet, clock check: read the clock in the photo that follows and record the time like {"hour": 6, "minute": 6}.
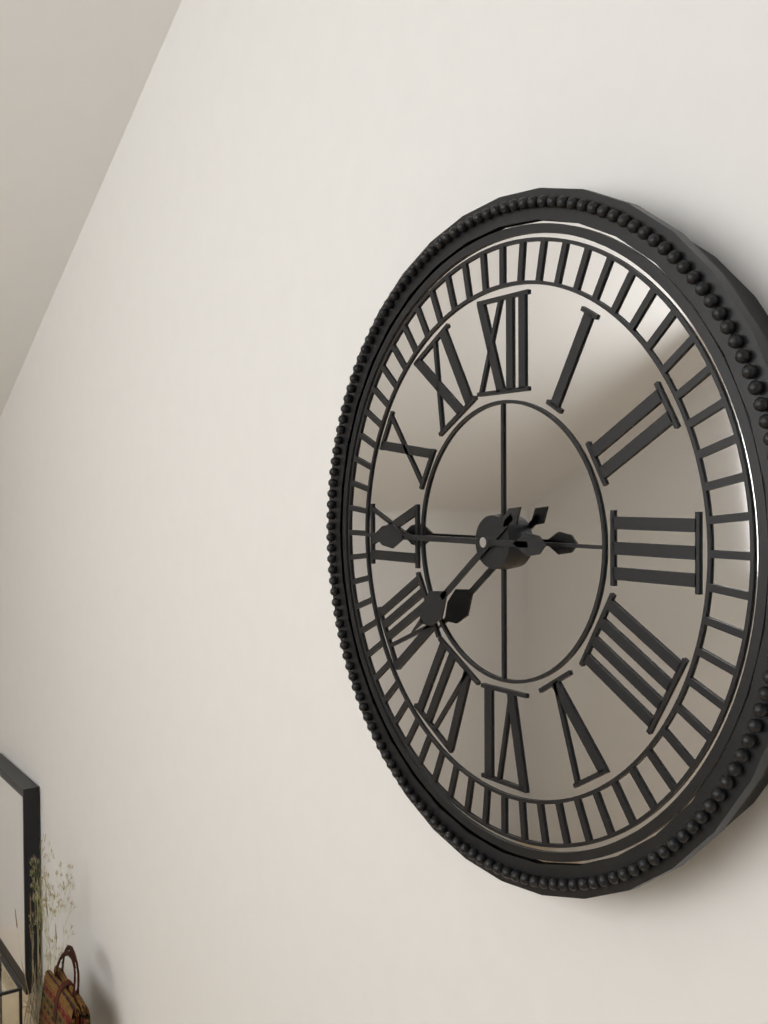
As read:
{"hour": 7, "minute": 45}
